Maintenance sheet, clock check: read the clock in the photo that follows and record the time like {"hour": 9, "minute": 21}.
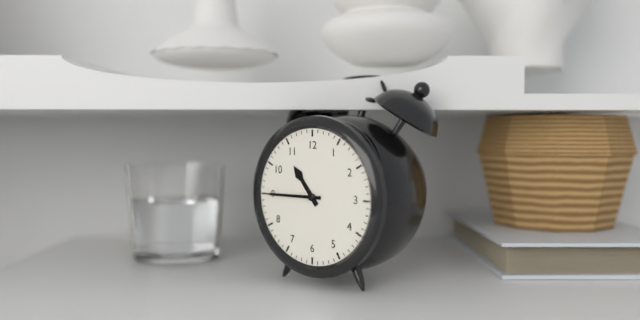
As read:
{"hour": 10, "minute": 45}
